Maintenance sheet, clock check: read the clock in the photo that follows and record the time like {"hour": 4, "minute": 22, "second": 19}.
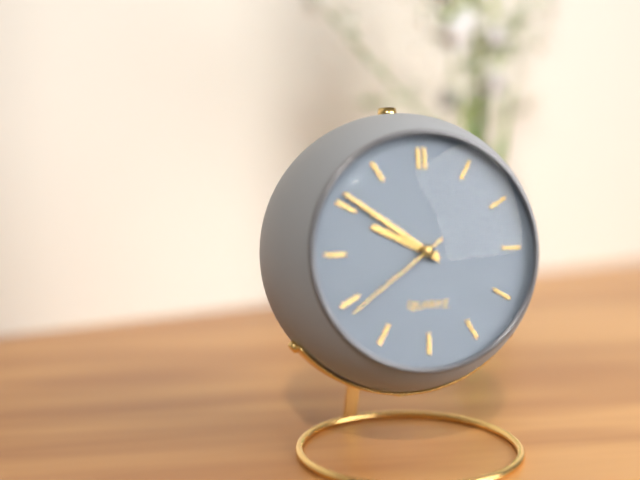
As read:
{"hour": 9, "minute": 51, "second": 39}
